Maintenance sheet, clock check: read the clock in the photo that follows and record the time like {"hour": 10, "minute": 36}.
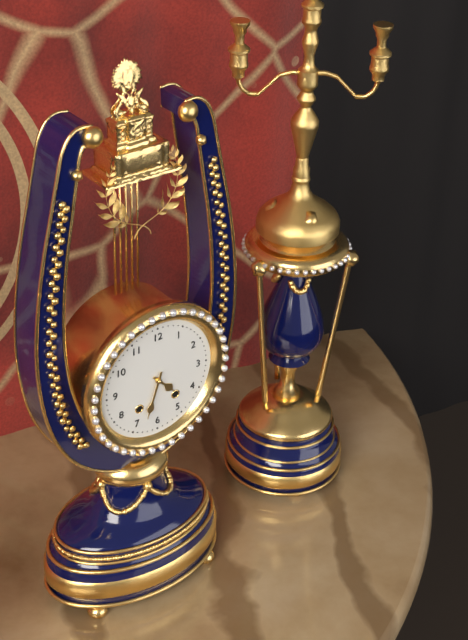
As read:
{"hour": 4, "minute": 33}
